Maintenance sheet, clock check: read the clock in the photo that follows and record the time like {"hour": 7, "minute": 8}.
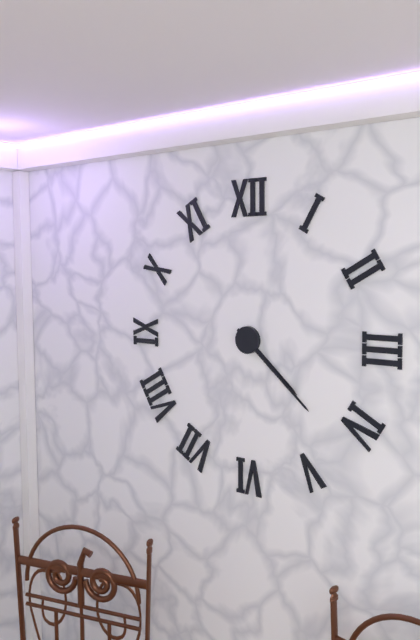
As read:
{"hour": 4, "minute": 22}
